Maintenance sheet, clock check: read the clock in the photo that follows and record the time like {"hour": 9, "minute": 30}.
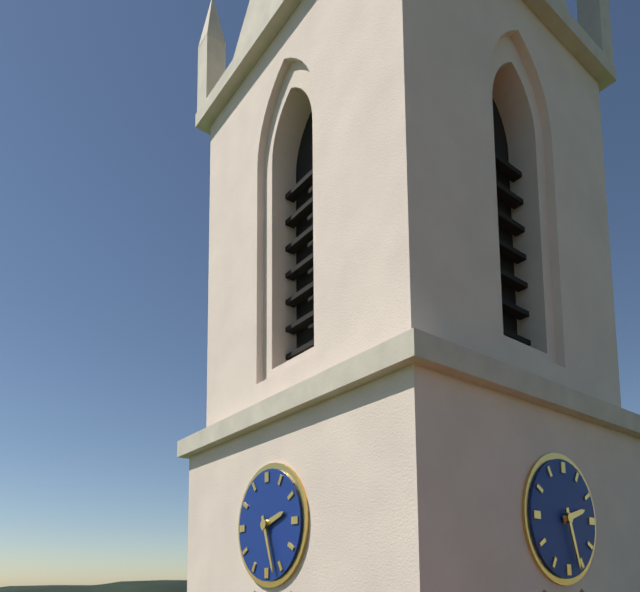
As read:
{"hour": 2, "minute": 27}
